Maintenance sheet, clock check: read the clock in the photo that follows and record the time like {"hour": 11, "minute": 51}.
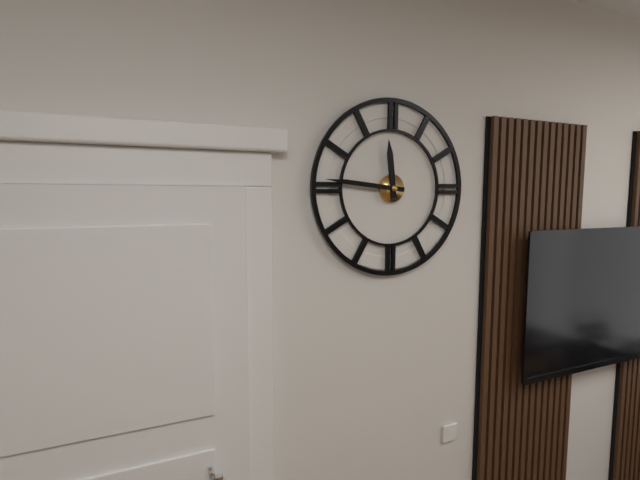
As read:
{"hour": 11, "minute": 46}
